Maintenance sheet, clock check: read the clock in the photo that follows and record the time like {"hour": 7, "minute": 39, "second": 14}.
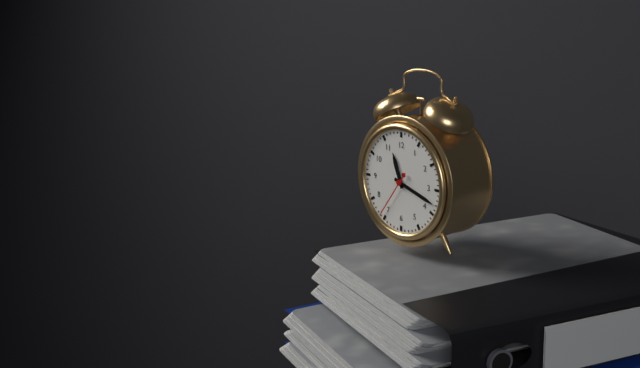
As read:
{"hour": 11, "minute": 18, "second": 36}
